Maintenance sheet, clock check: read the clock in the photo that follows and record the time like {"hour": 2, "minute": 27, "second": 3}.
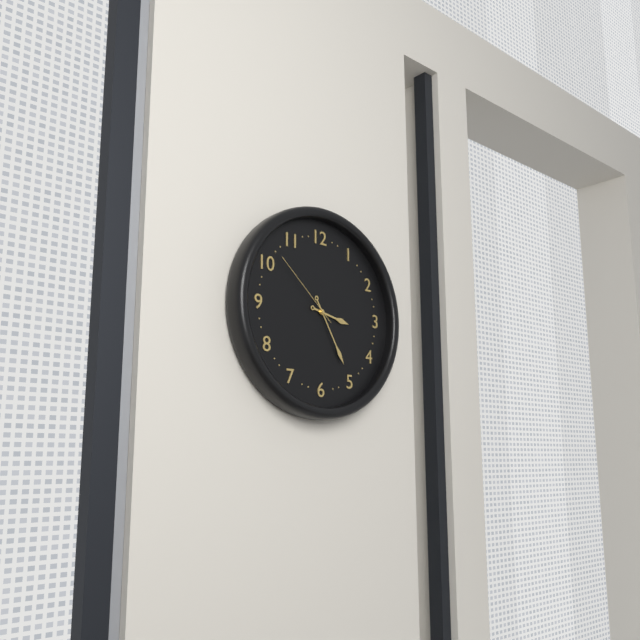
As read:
{"hour": 3, "minute": 25, "second": 52}
